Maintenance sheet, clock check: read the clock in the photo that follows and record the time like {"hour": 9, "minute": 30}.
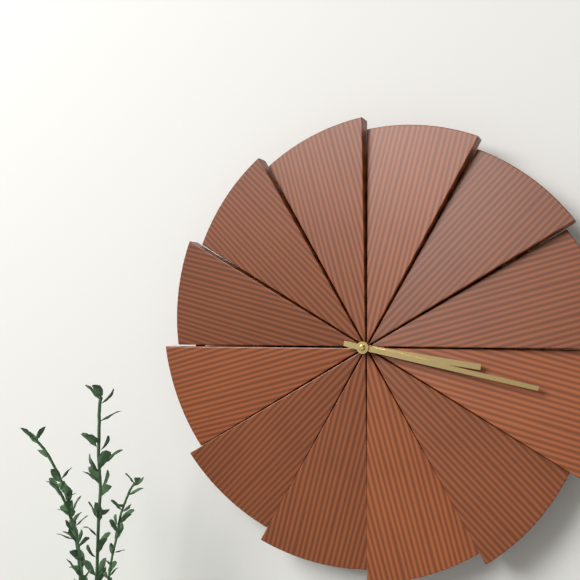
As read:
{"hour": 3, "minute": 17}
